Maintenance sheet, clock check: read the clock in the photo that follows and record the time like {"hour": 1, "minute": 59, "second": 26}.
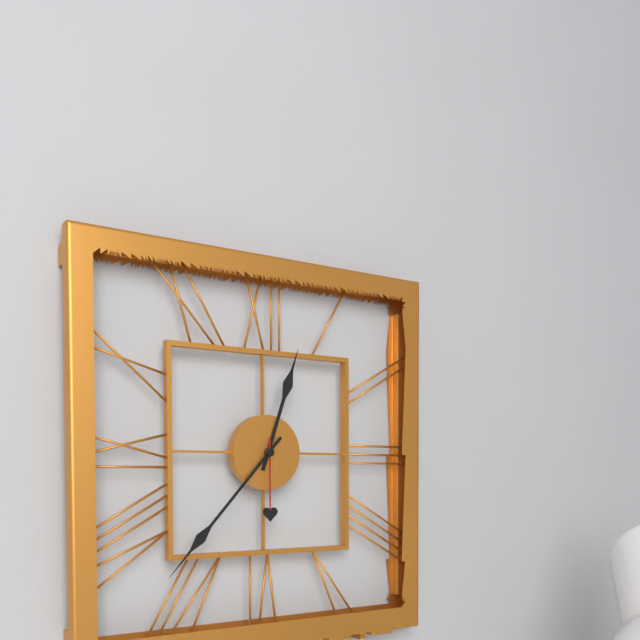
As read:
{"hour": 12, "minute": 37, "second": 30}
